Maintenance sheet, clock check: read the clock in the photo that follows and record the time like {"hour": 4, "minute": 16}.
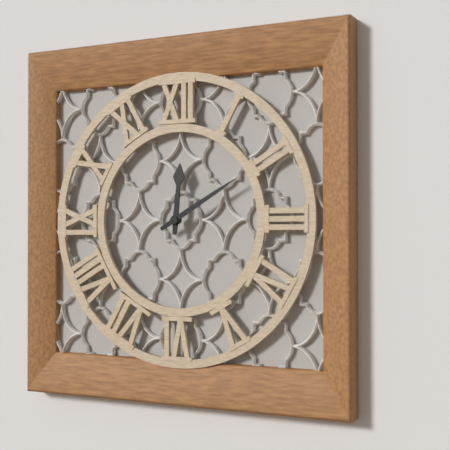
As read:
{"hour": 12, "minute": 10}
